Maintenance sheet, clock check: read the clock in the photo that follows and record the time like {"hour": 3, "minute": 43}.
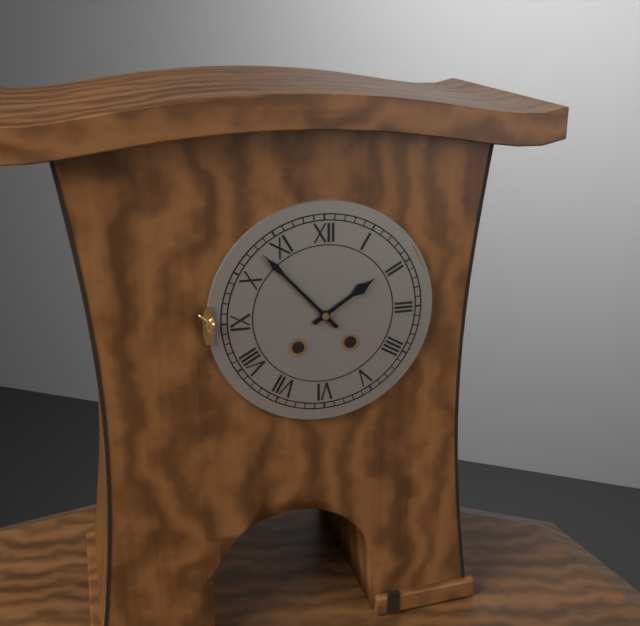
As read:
{"hour": 1, "minute": 53}
